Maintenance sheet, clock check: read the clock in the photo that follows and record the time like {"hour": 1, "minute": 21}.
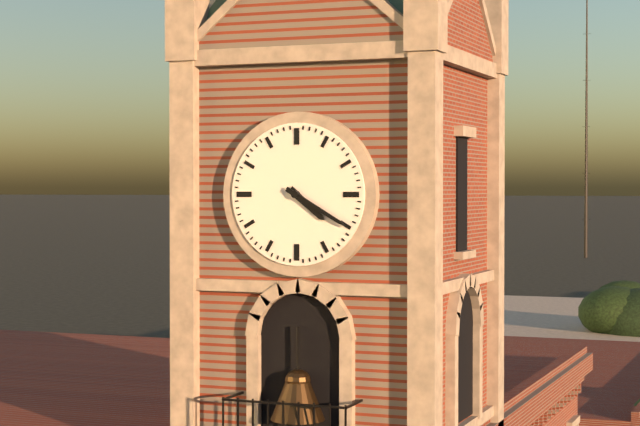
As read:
{"hour": 4, "minute": 20}
